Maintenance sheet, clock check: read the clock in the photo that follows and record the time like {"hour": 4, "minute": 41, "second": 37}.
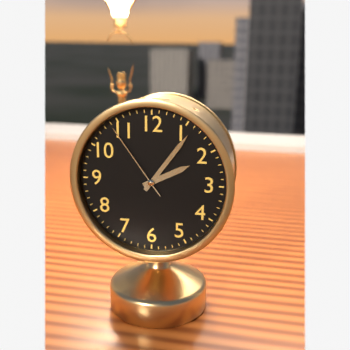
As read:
{"hour": 2, "minute": 6, "second": 54}
